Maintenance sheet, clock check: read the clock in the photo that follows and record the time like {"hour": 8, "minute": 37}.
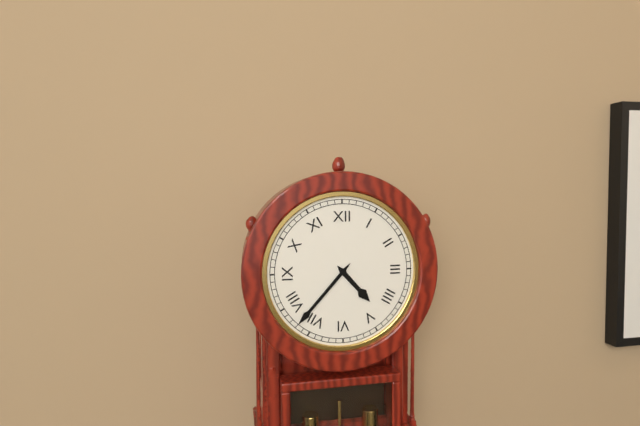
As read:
{"hour": 4, "minute": 37}
